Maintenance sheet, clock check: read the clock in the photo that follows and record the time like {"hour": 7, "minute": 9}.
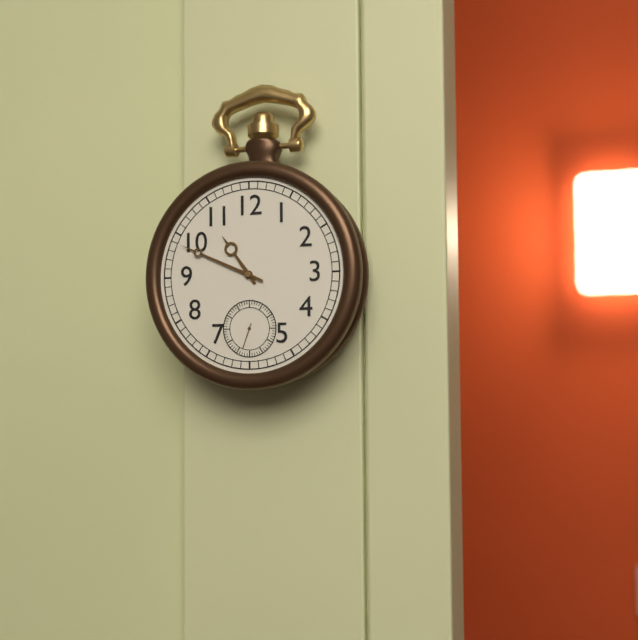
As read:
{"hour": 10, "minute": 49}
